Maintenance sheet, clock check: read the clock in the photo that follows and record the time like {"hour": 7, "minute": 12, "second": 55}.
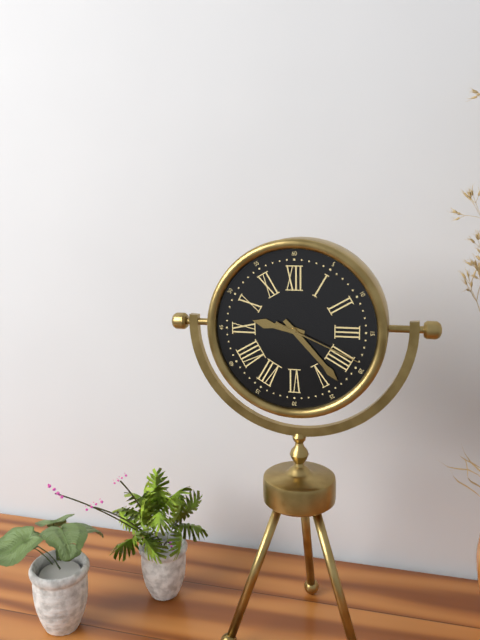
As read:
{"hour": 9, "minute": 23, "second": 19}
